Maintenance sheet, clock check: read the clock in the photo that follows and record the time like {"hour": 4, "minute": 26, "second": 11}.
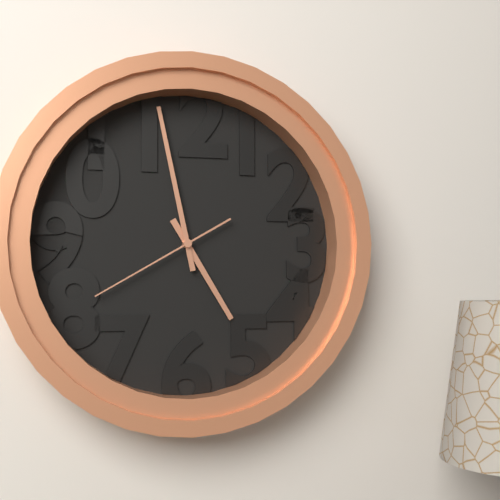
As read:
{"hour": 4, "minute": 58, "second": 40}
